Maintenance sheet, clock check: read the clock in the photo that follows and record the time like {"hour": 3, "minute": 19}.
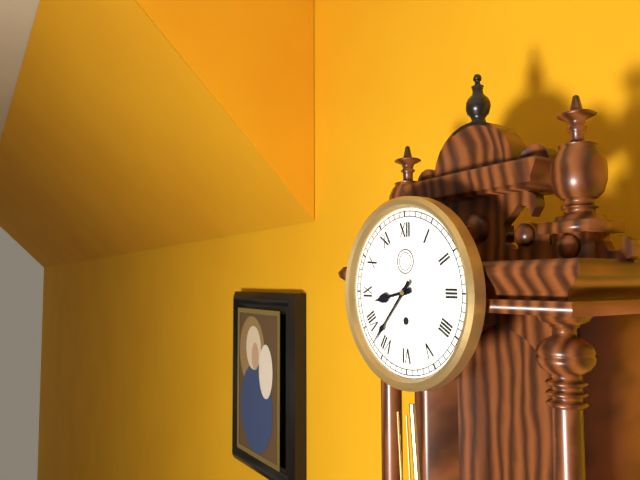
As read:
{"hour": 8, "minute": 37}
